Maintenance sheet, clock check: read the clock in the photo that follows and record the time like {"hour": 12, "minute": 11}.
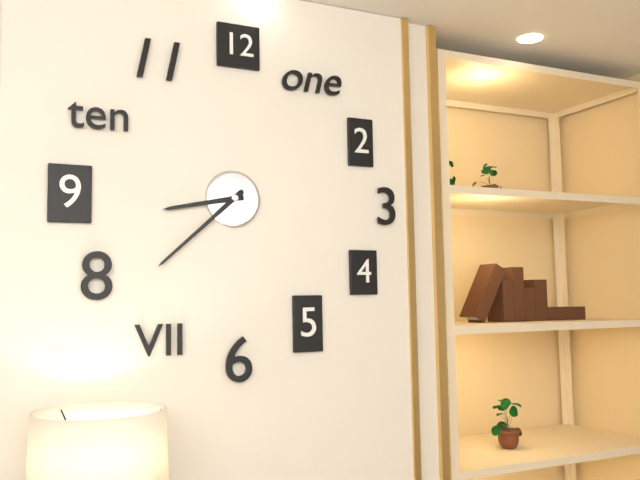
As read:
{"hour": 8, "minute": 38}
